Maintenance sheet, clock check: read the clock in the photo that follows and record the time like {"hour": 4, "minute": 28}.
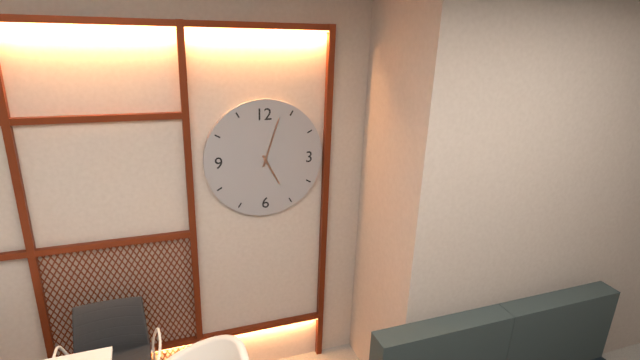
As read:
{"hour": 5, "minute": 3}
